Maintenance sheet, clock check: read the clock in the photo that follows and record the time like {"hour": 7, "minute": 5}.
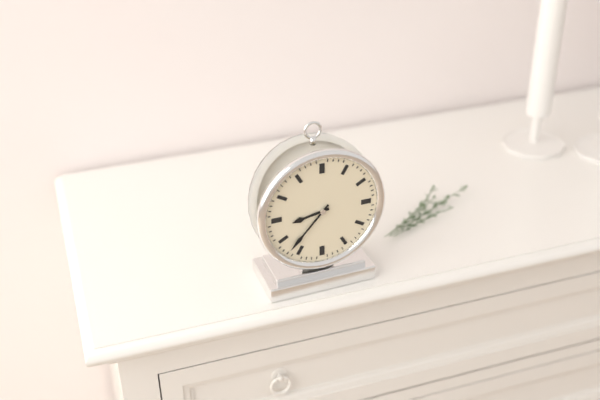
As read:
{"hour": 8, "minute": 37}
